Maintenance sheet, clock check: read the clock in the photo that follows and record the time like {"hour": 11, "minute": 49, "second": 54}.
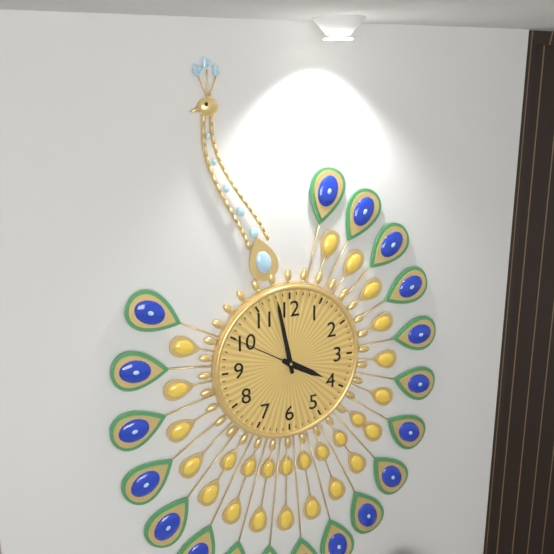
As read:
{"hour": 3, "minute": 58, "second": 50}
